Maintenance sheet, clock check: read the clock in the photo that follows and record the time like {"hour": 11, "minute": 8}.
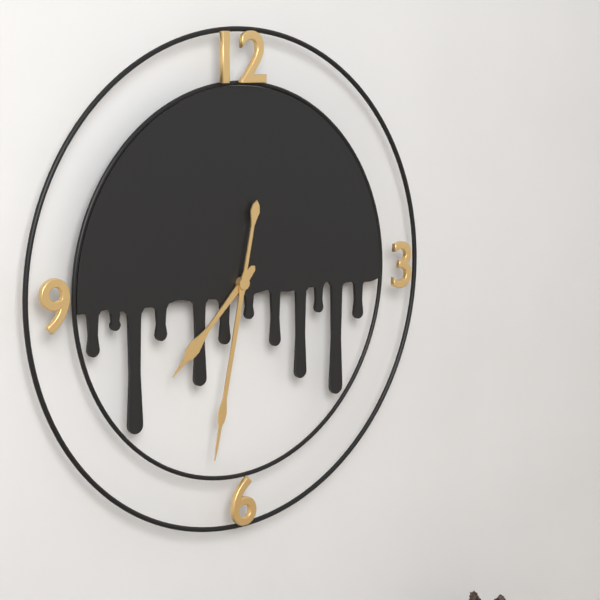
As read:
{"hour": 7, "minute": 32}
